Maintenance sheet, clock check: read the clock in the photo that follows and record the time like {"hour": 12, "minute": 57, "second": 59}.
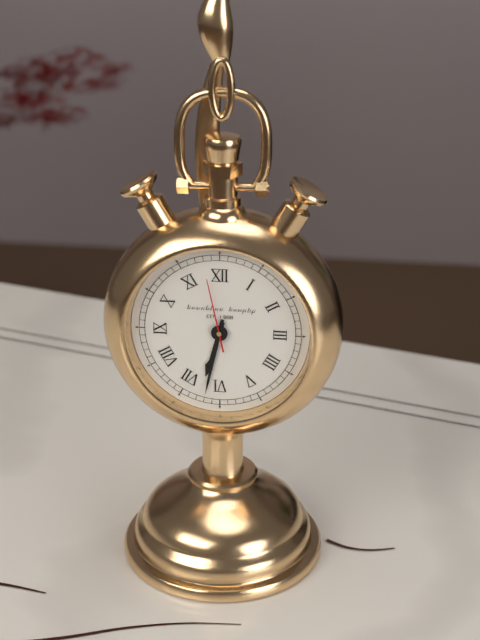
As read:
{"hour": 6, "minute": 32, "second": 58}
